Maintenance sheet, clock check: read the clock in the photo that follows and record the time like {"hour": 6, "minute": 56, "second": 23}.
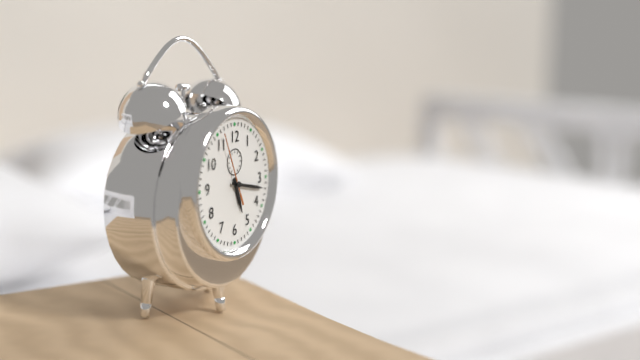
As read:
{"hour": 5, "minute": 17, "second": 56}
